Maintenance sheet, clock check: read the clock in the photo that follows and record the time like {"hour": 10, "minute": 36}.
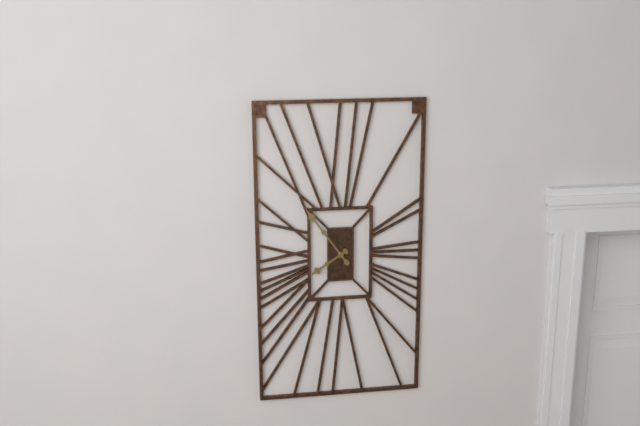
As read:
{"hour": 7, "minute": 54}
